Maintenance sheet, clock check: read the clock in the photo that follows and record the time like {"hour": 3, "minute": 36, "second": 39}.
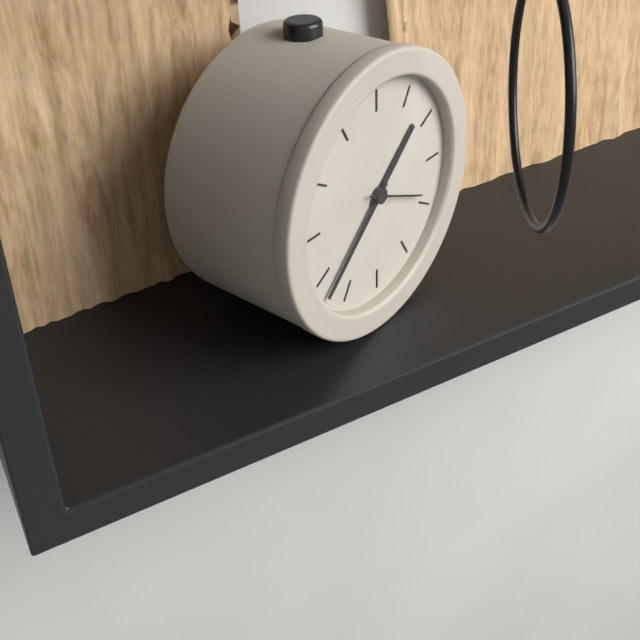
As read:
{"hour": 1, "minute": 38, "second": 19}
